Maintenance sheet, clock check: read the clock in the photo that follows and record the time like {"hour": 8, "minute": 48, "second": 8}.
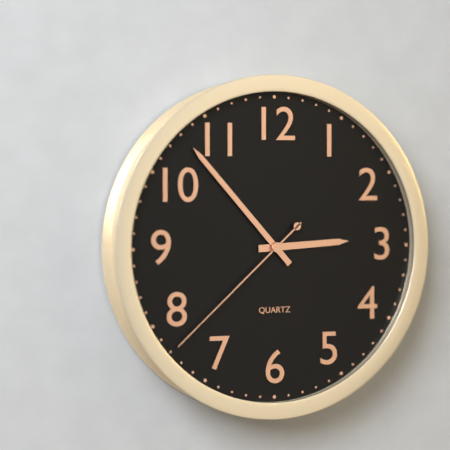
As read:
{"hour": 2, "minute": 53, "second": 38}
